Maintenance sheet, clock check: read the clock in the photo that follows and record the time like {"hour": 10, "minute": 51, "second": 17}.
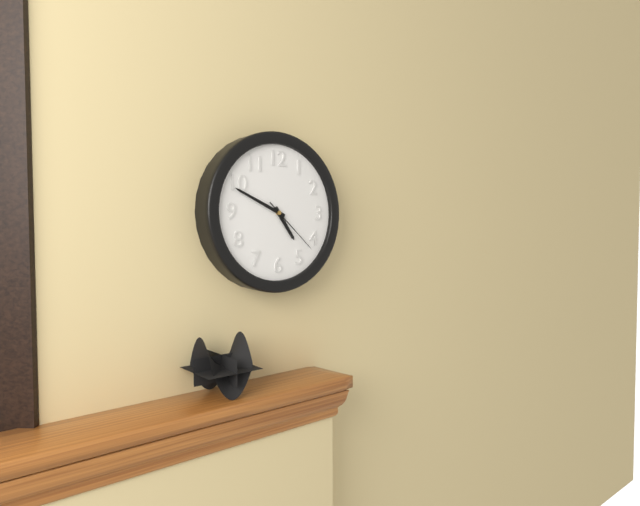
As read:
{"hour": 4, "minute": 49, "second": 22}
